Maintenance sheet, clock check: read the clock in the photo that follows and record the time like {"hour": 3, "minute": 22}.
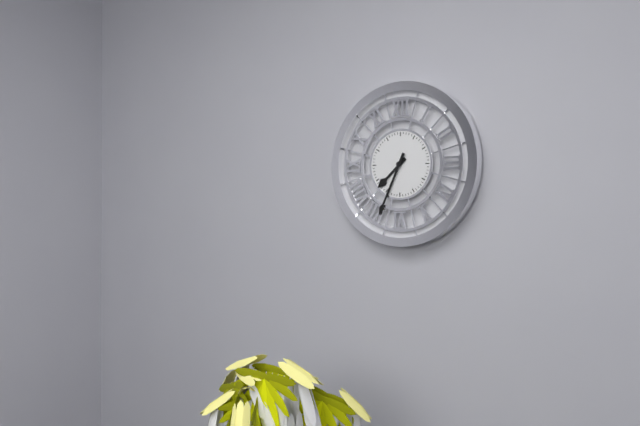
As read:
{"hour": 7, "minute": 34}
